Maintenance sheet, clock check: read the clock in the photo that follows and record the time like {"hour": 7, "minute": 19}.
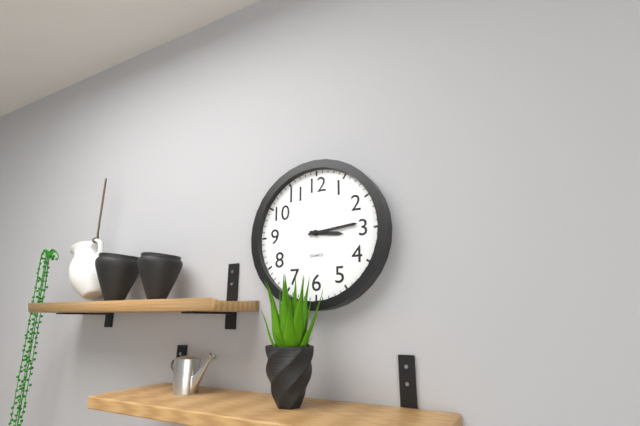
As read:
{"hour": 3, "minute": 14}
